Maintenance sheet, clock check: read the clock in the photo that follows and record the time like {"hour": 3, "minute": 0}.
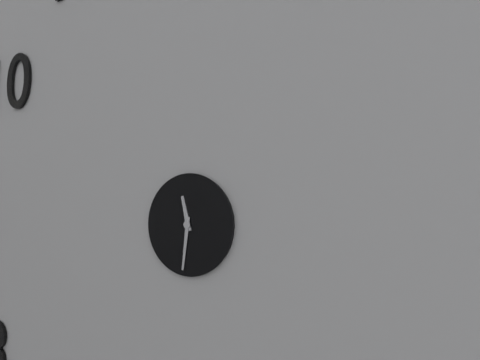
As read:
{"hour": 11, "minute": 31}
